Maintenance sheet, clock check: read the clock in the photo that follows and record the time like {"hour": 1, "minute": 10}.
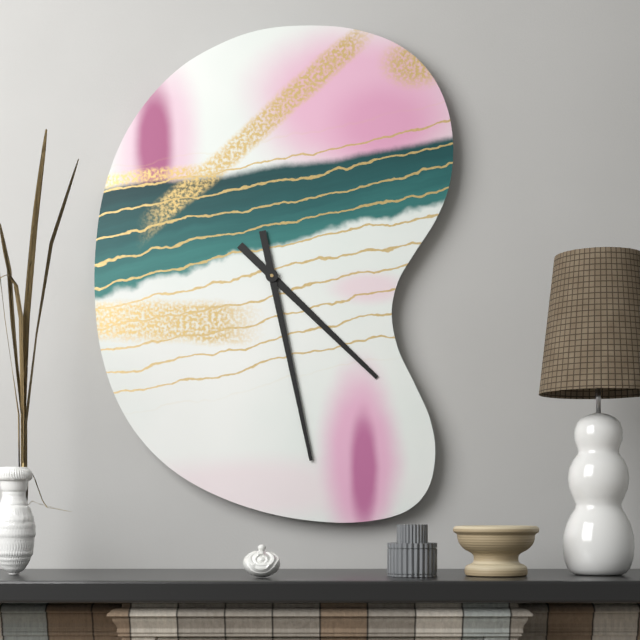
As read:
{"hour": 4, "minute": 28}
